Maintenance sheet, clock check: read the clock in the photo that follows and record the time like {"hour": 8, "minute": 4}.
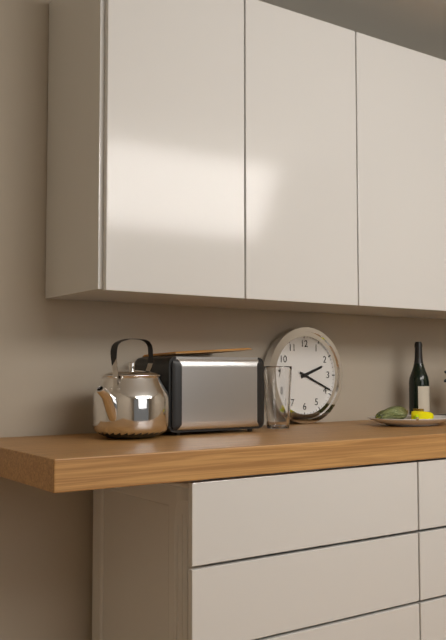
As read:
{"hour": 2, "minute": 19}
